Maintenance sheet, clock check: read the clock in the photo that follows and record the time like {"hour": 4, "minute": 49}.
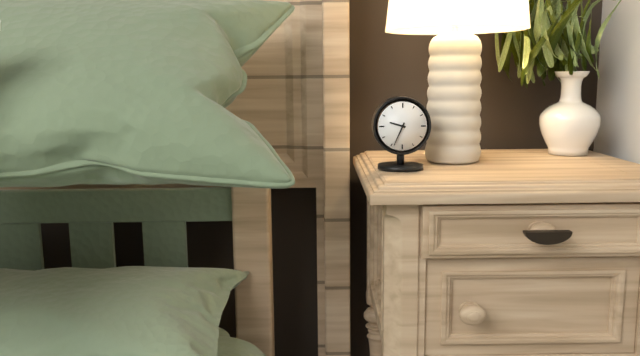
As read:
{"hour": 9, "minute": 34}
